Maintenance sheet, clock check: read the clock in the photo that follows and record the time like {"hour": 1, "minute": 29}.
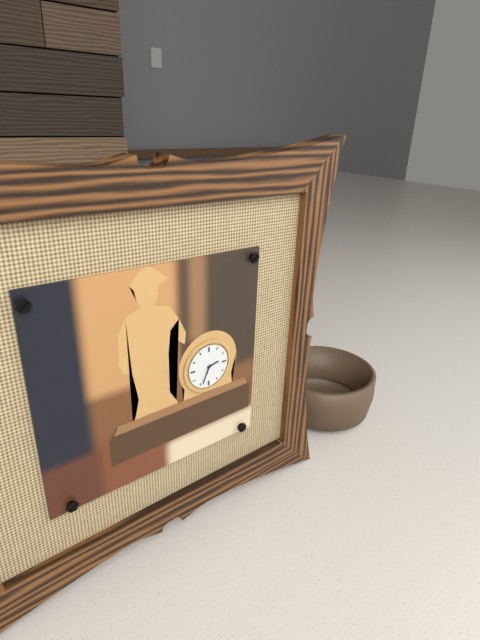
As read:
{"hour": 2, "minute": 34}
